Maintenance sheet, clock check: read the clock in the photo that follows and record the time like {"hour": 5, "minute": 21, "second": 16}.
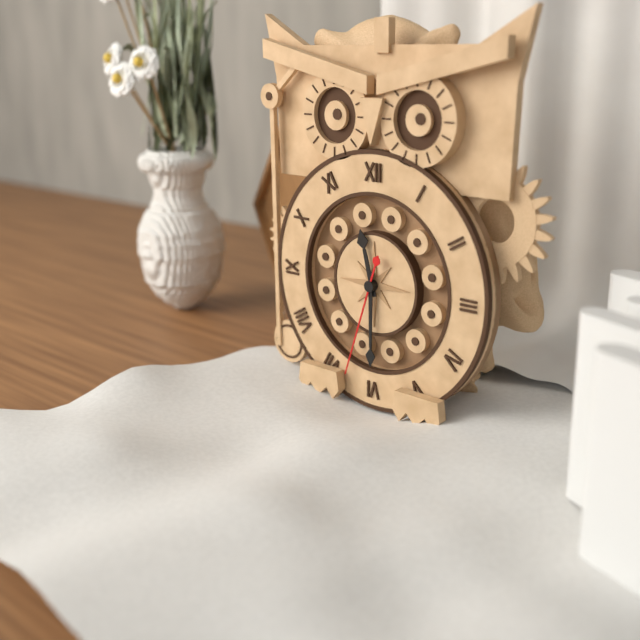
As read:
{"hour": 11, "minute": 30, "second": 33}
